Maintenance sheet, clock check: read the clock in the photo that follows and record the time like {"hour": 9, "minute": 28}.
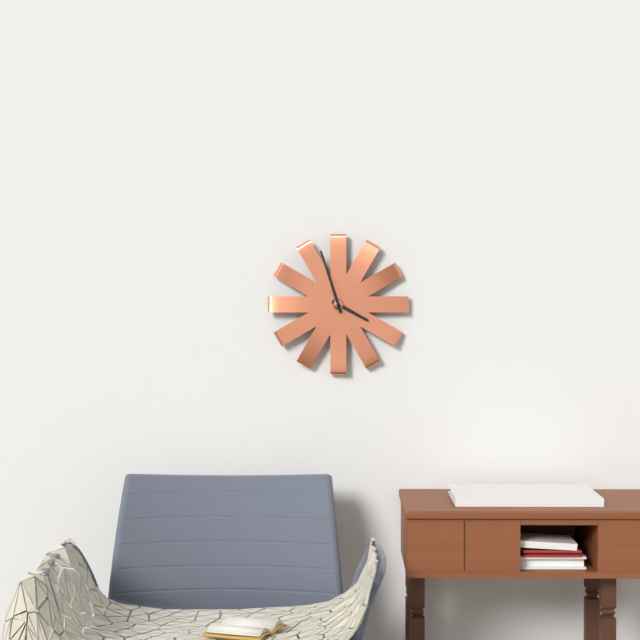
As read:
{"hour": 3, "minute": 57}
